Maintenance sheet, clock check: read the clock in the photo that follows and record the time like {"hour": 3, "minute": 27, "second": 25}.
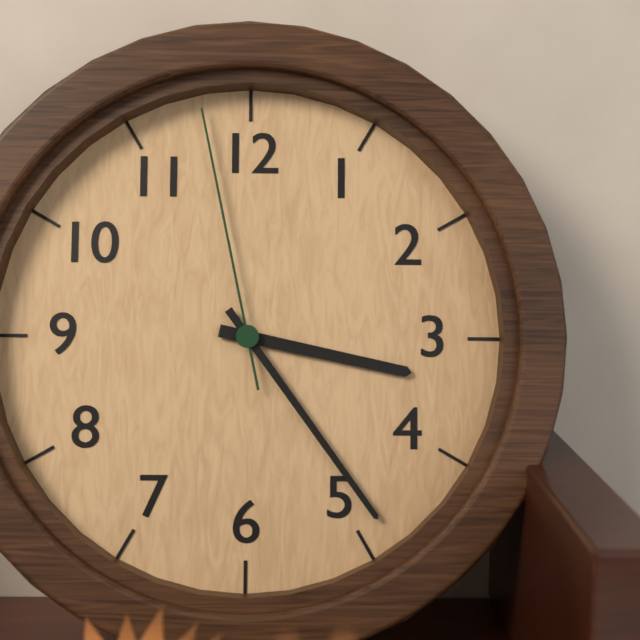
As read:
{"hour": 3, "minute": 24, "second": 58}
